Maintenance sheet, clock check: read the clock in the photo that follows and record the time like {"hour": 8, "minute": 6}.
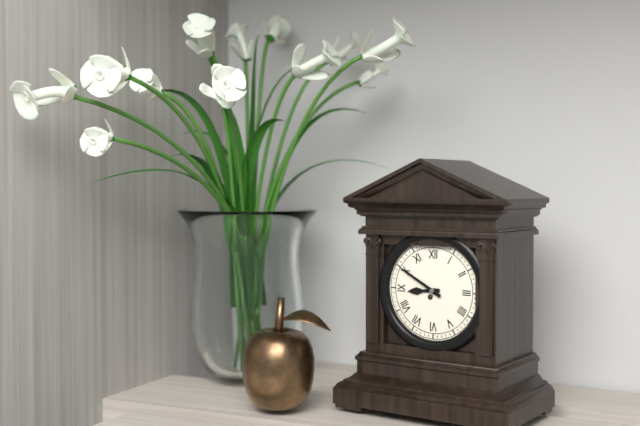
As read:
{"hour": 8, "minute": 50}
